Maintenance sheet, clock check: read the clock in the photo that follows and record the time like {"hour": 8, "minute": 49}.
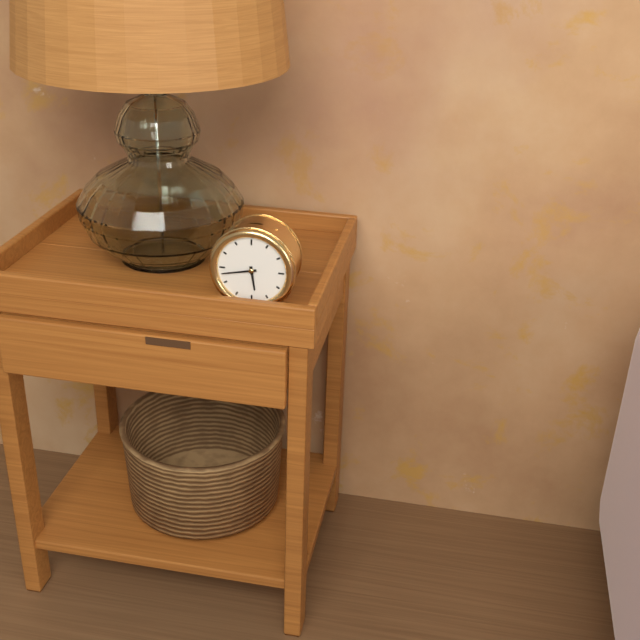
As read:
{"hour": 5, "minute": 43}
